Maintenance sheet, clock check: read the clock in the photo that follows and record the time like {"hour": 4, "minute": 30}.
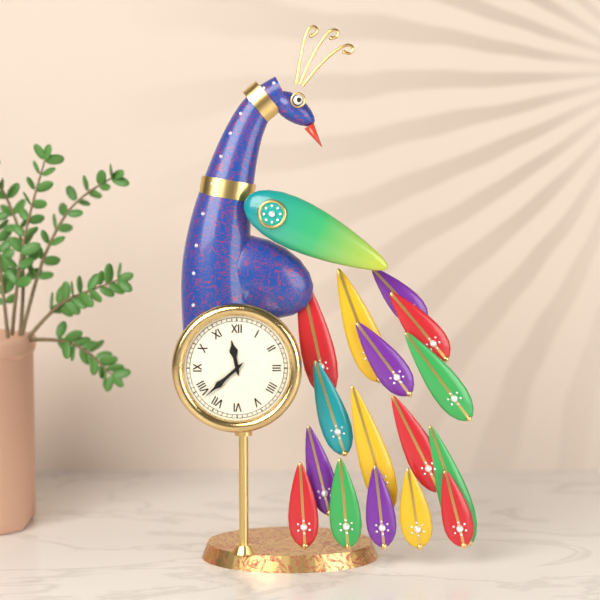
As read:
{"hour": 11, "minute": 38}
